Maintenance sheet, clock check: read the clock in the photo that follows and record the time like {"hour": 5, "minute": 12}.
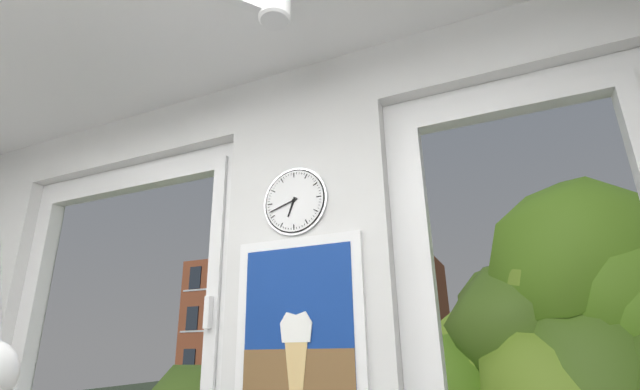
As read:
{"hour": 6, "minute": 42}
